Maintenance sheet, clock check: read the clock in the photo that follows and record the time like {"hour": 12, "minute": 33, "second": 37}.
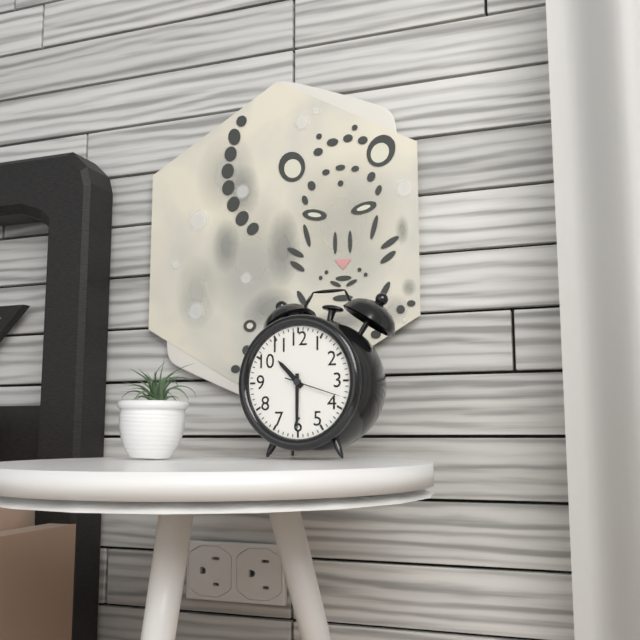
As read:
{"hour": 10, "minute": 30, "second": 18}
